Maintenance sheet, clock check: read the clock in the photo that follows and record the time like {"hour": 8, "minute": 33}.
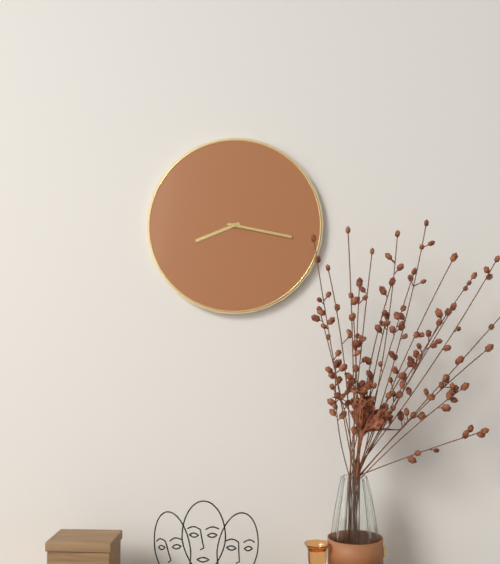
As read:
{"hour": 8, "minute": 17}
